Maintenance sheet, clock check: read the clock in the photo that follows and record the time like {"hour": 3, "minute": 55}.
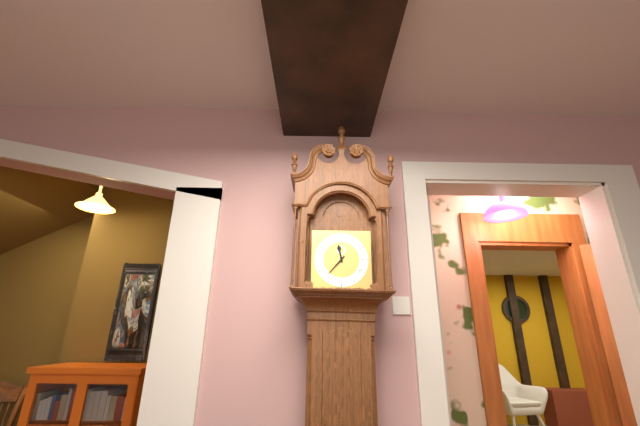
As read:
{"hour": 11, "minute": 37}
